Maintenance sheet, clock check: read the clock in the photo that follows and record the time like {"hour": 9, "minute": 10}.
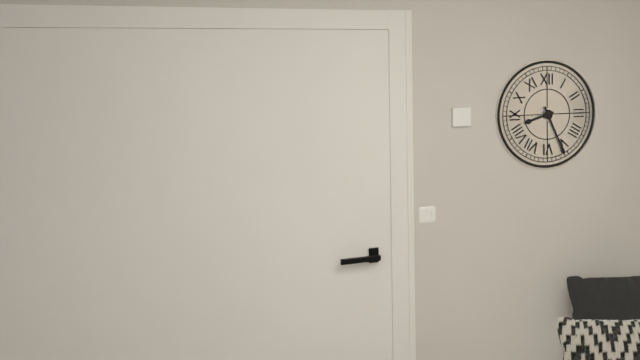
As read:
{"hour": 8, "minute": 26}
